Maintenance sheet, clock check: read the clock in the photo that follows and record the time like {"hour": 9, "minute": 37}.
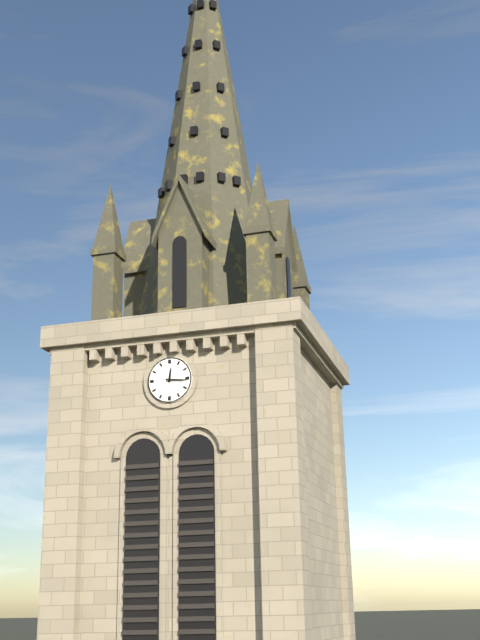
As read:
{"hour": 12, "minute": 16}
